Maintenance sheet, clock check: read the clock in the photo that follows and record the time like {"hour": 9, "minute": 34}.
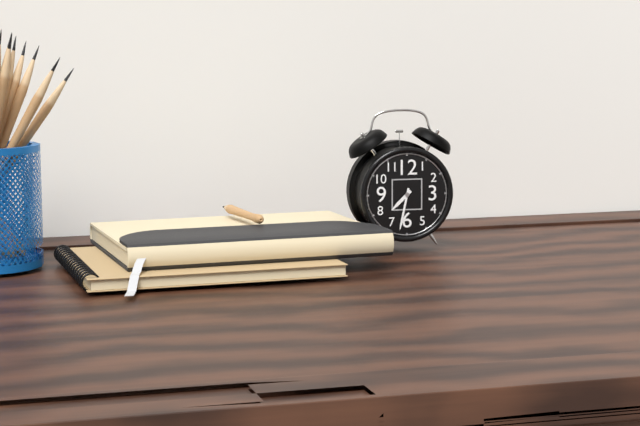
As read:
{"hour": 7, "minute": 32}
